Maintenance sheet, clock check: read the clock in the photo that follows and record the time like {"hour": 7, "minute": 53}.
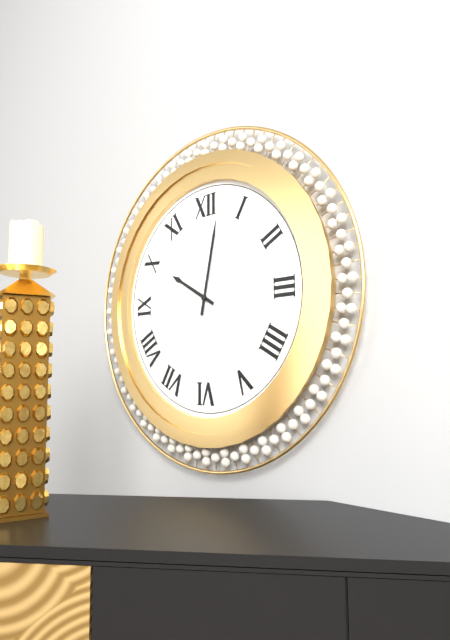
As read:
{"hour": 10, "minute": 2}
